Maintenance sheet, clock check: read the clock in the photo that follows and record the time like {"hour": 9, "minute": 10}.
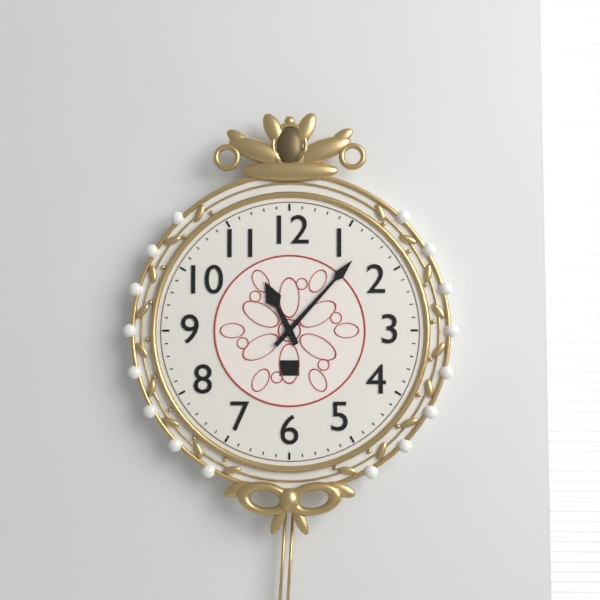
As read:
{"hour": 11, "minute": 7}
